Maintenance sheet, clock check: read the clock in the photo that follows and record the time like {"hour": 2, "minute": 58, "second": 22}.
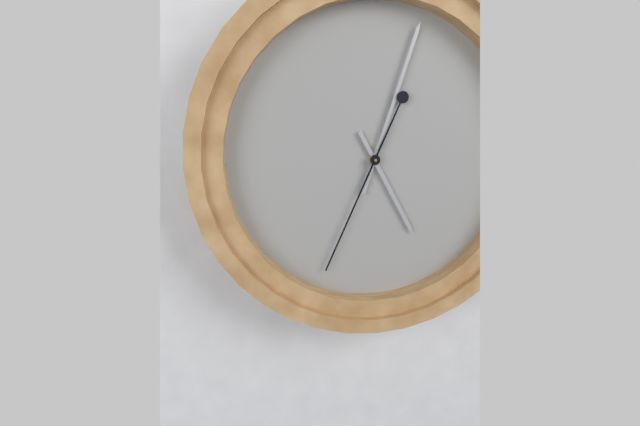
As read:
{"hour": 5, "minute": 3, "second": 34}
